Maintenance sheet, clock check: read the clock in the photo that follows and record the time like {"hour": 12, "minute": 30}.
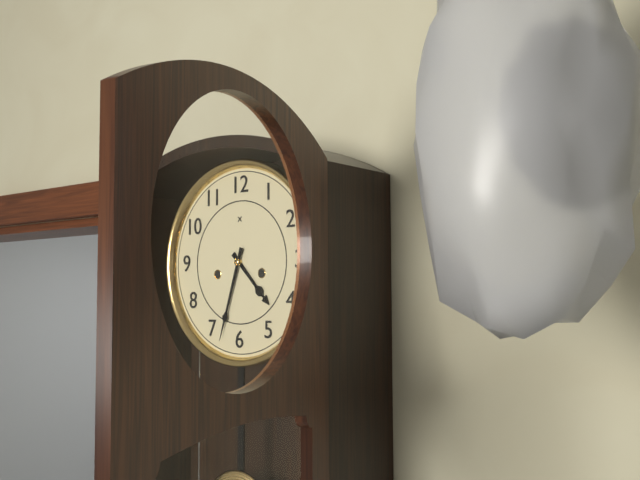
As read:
{"hour": 4, "minute": 33}
